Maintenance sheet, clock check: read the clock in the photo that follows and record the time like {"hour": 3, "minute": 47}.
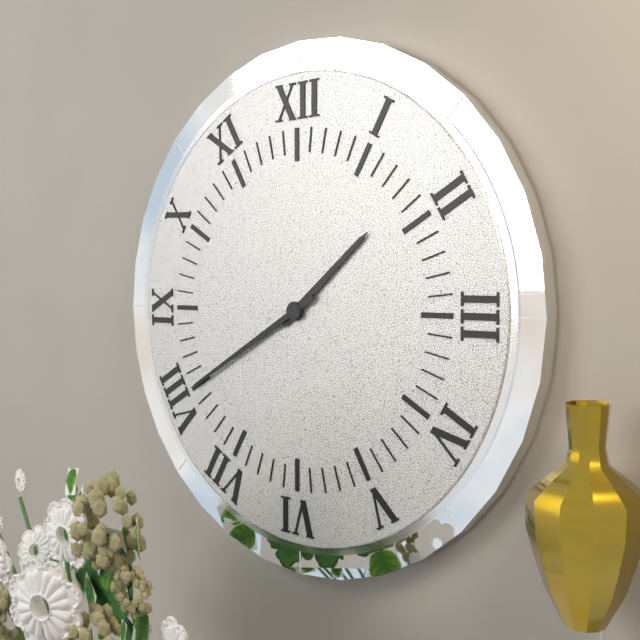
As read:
{"hour": 1, "minute": 40}
